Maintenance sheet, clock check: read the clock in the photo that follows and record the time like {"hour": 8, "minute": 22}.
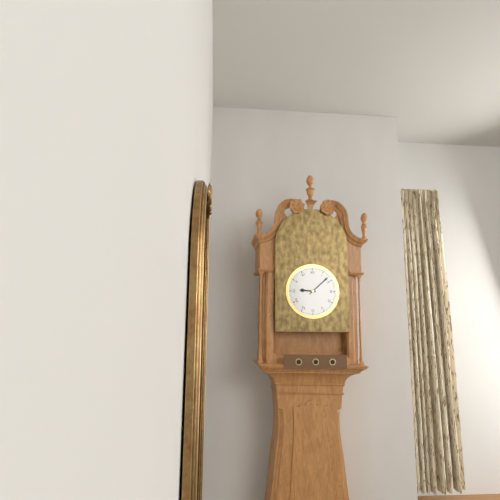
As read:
{"hour": 9, "minute": 8}
